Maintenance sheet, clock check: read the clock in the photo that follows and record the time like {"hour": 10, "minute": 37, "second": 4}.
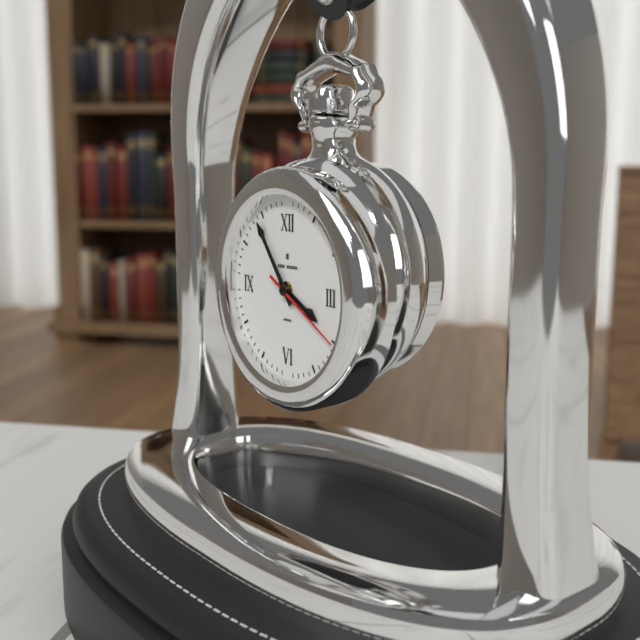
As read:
{"hour": 3, "minute": 54, "second": 20}
